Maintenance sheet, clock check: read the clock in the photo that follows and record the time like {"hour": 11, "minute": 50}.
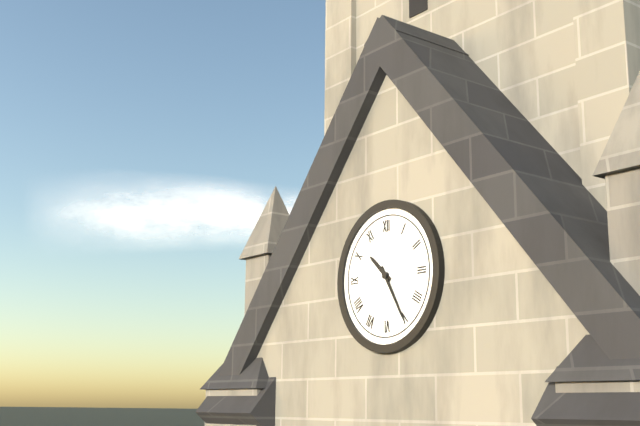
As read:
{"hour": 10, "minute": 25}
